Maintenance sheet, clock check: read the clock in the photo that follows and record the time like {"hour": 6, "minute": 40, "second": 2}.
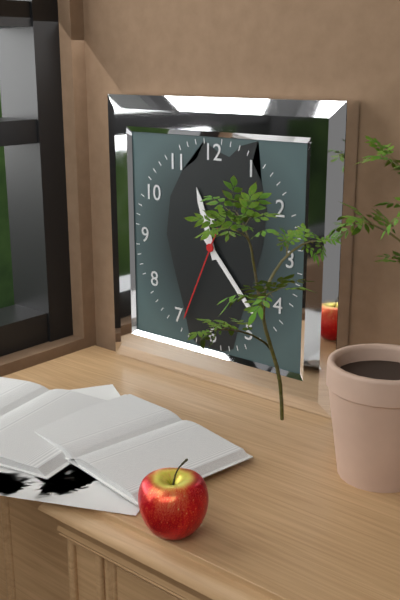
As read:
{"hour": 11, "minute": 23, "second": 34}
